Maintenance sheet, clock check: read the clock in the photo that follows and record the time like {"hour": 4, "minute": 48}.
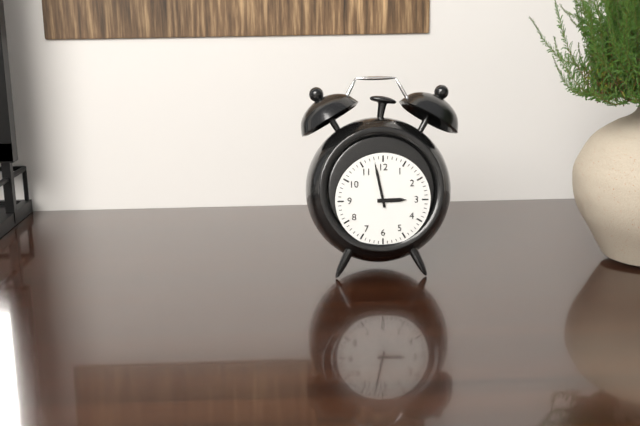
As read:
{"hour": 2, "minute": 58}
